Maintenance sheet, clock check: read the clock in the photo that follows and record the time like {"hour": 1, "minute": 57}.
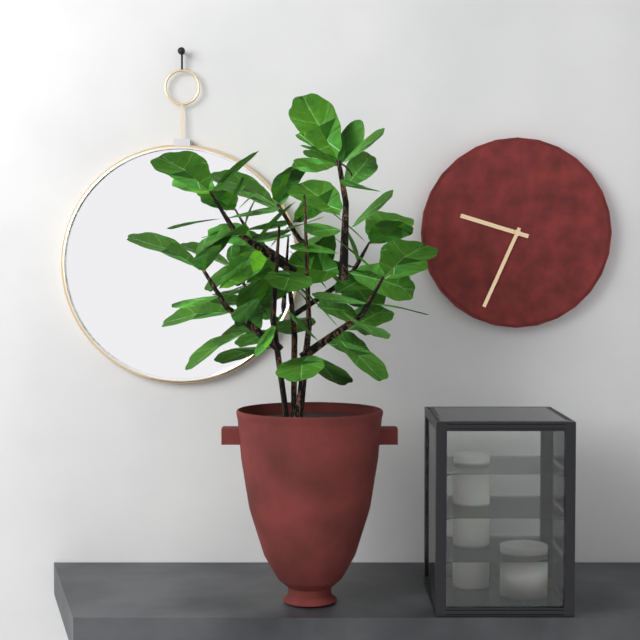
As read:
{"hour": 9, "minute": 34}
